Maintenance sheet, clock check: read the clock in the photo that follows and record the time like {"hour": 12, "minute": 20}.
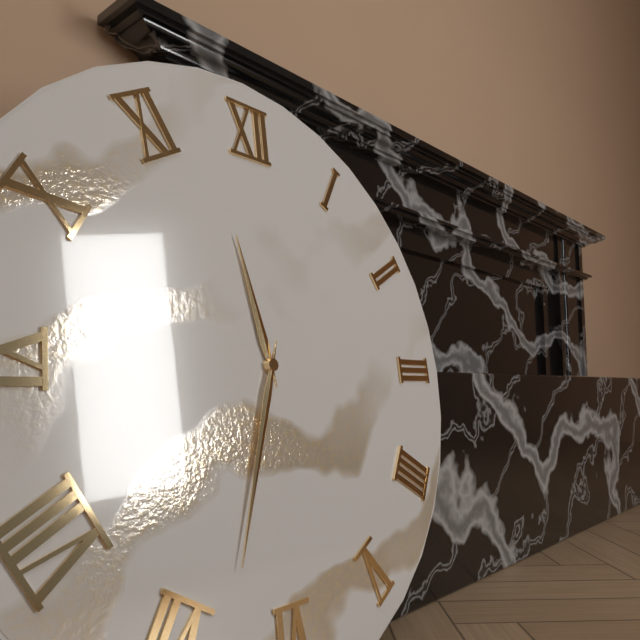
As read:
{"hour": 11, "minute": 33}
